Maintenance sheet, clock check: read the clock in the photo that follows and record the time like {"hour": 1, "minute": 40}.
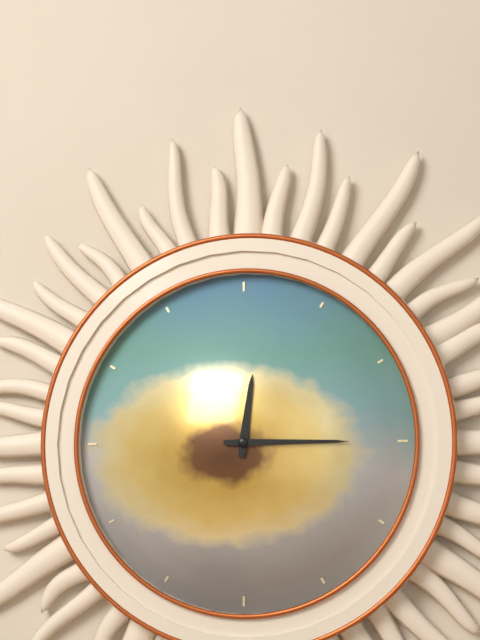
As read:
{"hour": 12, "minute": 15}
